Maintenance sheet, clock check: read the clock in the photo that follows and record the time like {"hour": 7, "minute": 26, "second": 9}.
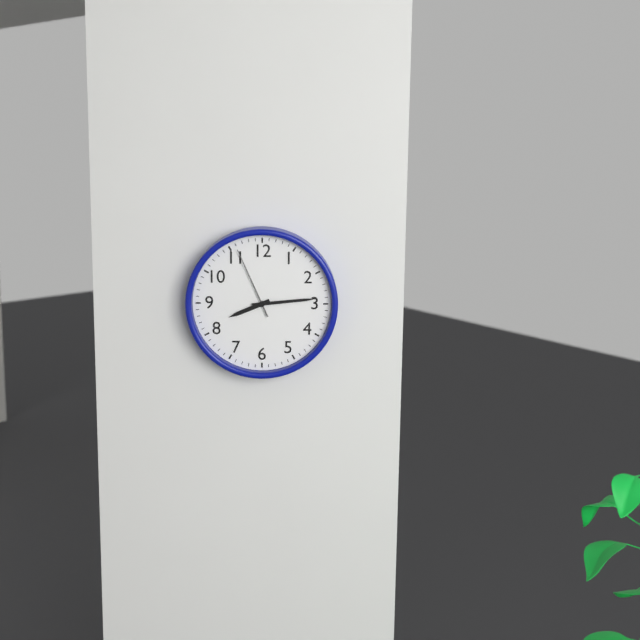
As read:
{"hour": 8, "minute": 14, "second": 56}
